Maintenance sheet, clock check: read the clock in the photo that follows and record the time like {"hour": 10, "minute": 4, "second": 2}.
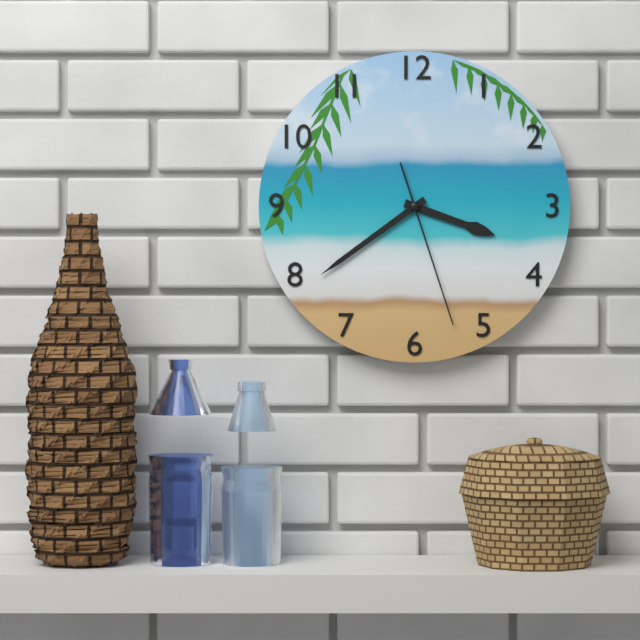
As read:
{"hour": 3, "minute": 39, "second": 27}
